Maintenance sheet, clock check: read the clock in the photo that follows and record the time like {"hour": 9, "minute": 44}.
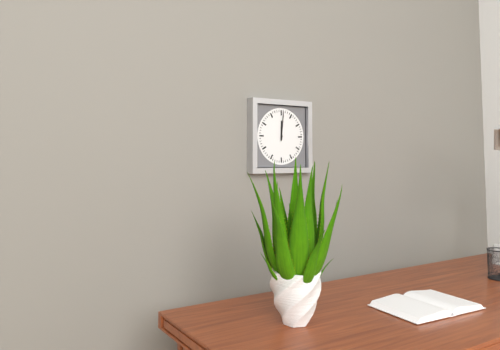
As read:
{"hour": 12, "minute": 1}
